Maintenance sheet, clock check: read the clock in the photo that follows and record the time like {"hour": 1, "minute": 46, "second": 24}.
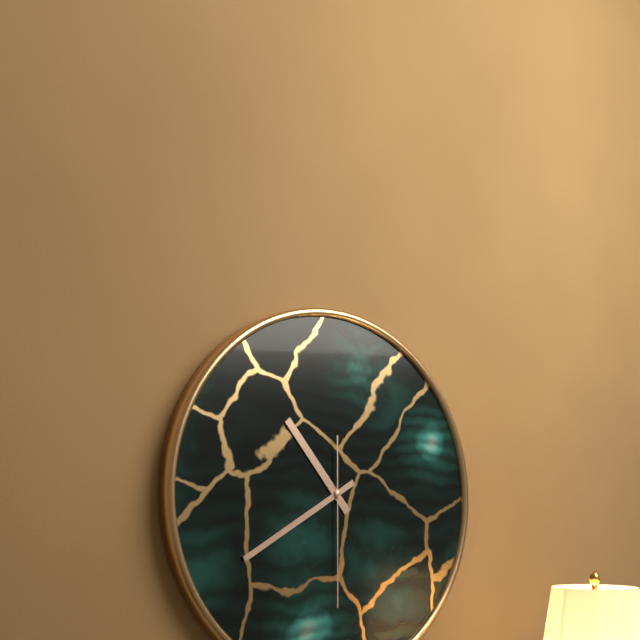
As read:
{"hour": 10, "minute": 40, "second": 30}
